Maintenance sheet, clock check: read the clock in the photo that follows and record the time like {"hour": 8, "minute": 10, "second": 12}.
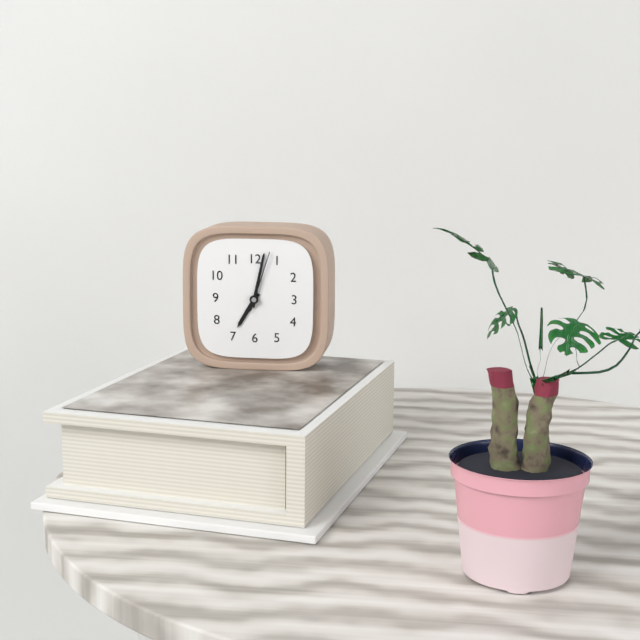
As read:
{"hour": 7, "minute": 2, "second": 3}
